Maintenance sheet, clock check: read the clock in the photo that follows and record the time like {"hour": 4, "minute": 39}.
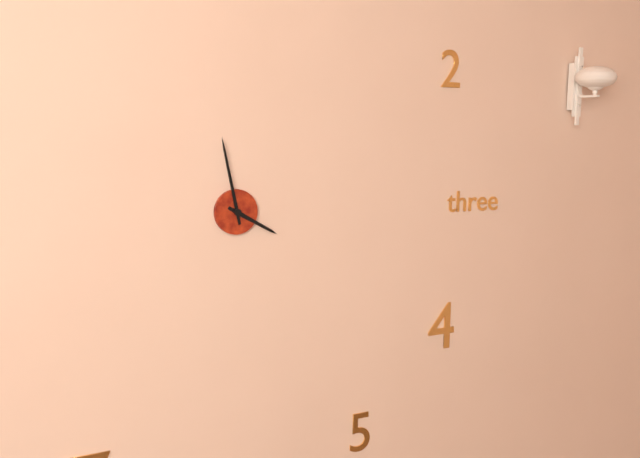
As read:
{"hour": 3, "minute": 58}
